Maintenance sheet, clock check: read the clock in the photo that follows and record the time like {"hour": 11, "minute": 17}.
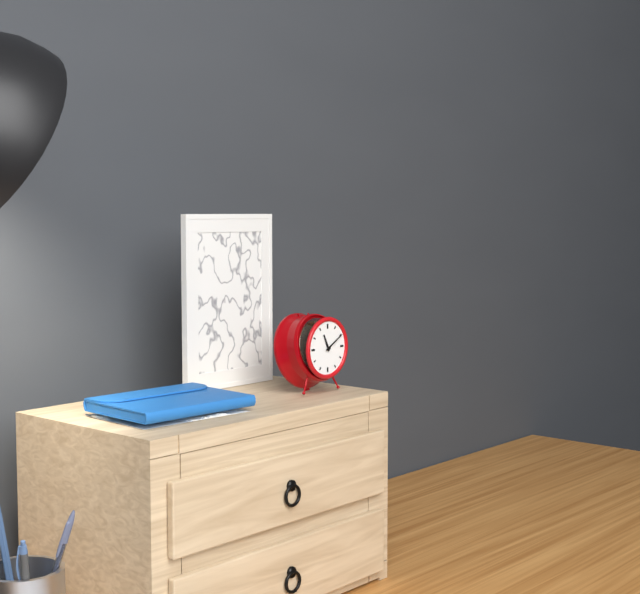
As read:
{"hour": 11, "minute": 10}
